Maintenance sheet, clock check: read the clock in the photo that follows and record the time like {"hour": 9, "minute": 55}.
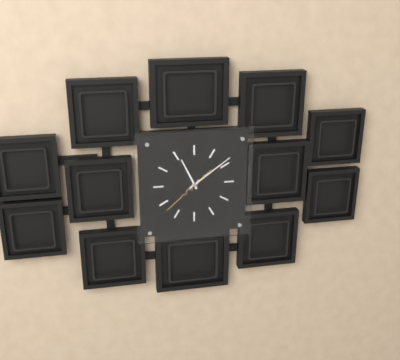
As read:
{"hour": 11, "minute": 9}
